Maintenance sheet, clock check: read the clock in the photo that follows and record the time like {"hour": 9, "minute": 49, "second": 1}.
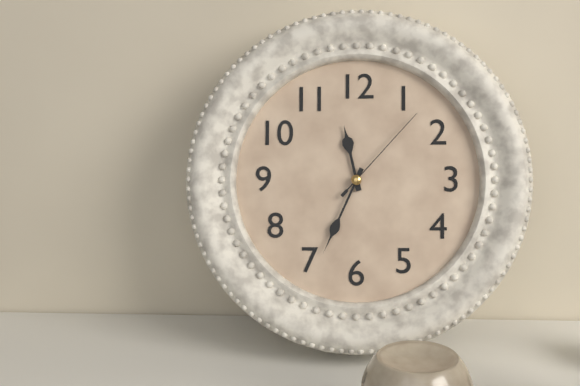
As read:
{"hour": 11, "minute": 34, "second": 7}
